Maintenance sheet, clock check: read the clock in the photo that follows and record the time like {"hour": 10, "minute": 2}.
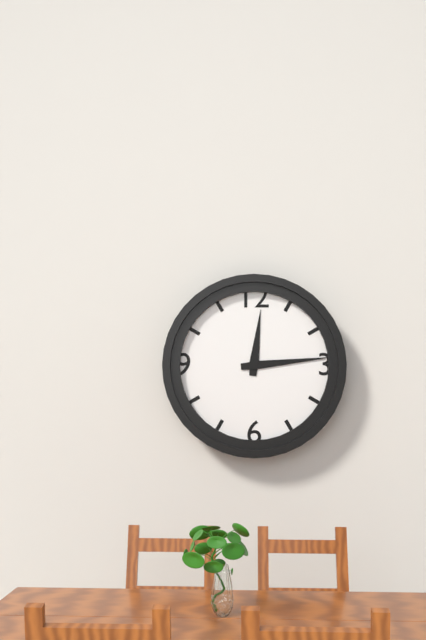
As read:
{"hour": 12, "minute": 14}
